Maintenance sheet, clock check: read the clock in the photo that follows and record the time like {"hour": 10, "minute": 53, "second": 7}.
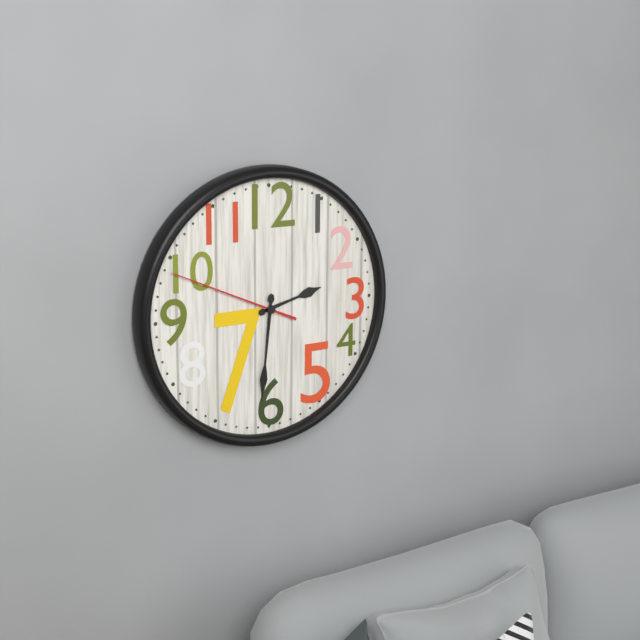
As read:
{"hour": 2, "minute": 31, "second": 49}
